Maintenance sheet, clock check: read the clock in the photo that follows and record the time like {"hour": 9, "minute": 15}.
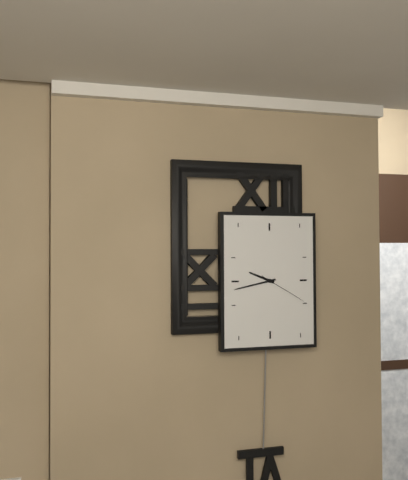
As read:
{"hour": 9, "minute": 43}
